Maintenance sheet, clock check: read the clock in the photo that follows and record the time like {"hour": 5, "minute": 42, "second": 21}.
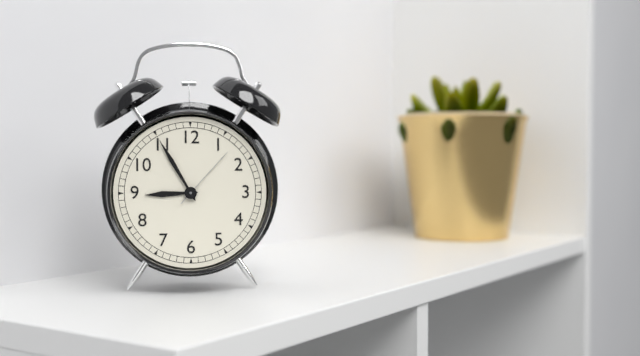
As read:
{"hour": 8, "minute": 55, "second": 7}
